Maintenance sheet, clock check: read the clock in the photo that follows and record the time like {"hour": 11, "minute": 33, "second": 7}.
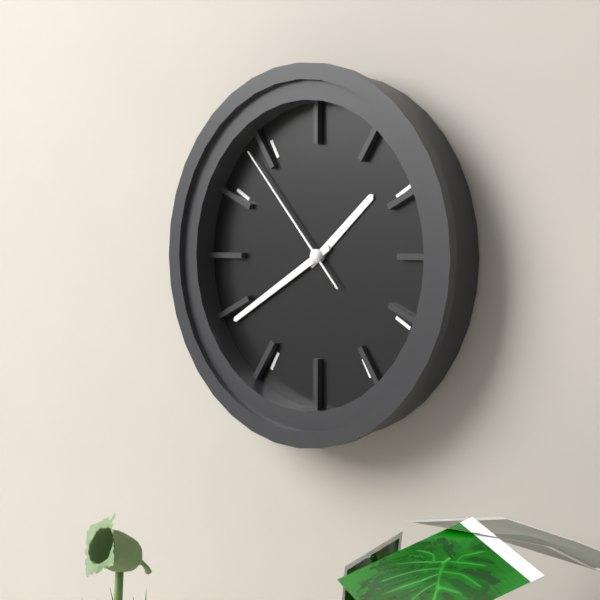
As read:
{"hour": 1, "minute": 40, "second": 53}
